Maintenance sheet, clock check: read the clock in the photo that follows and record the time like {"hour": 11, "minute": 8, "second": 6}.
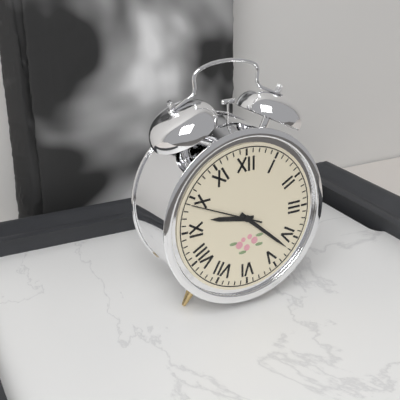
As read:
{"hour": 9, "minute": 22, "second": 49}
